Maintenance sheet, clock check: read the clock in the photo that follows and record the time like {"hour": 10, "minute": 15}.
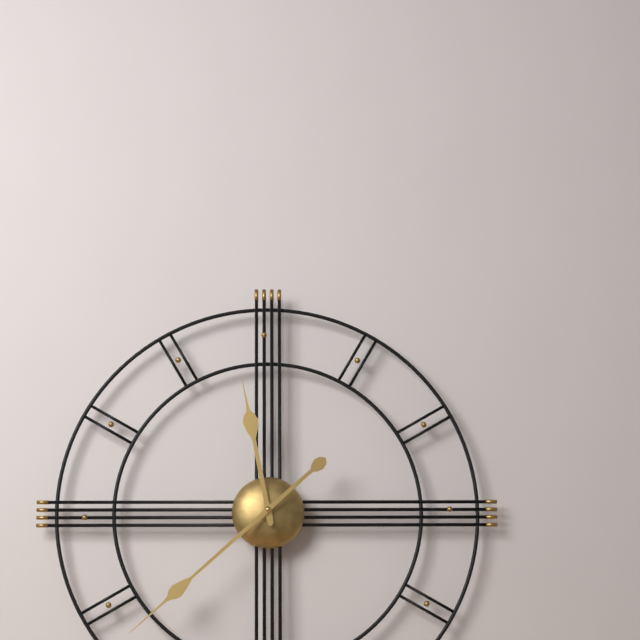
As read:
{"hour": 11, "minute": 38}
